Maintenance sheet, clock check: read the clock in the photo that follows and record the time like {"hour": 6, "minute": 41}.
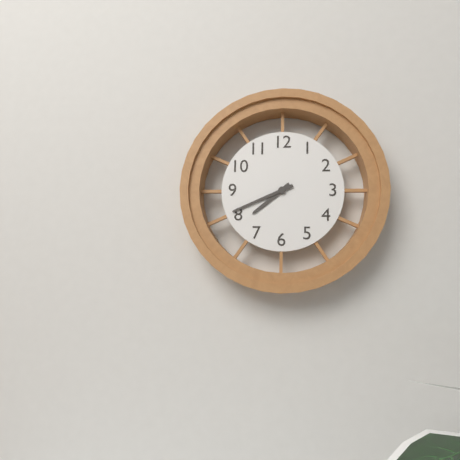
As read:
{"hour": 7, "minute": 41}
